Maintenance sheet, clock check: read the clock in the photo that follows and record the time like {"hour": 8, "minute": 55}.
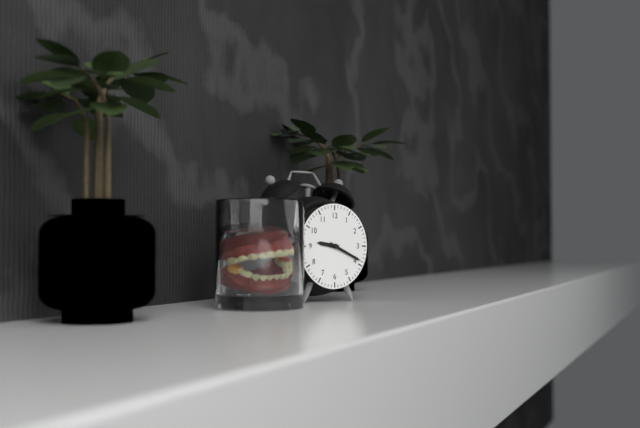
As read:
{"hour": 9, "minute": 19}
